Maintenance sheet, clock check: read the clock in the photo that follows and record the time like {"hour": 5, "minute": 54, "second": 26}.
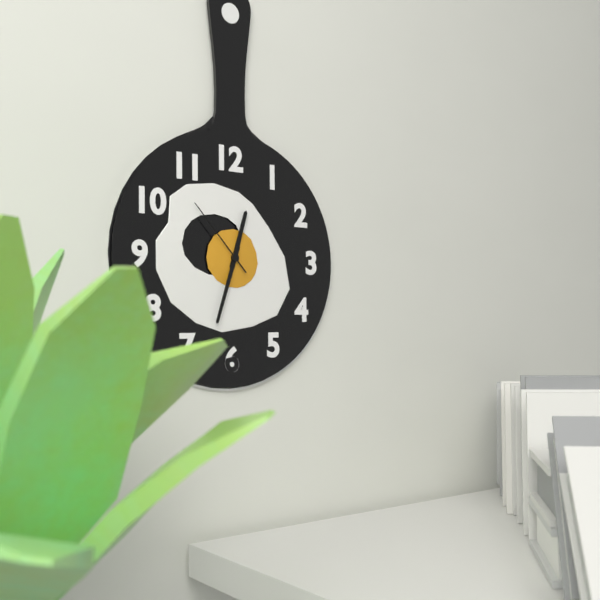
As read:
{"hour": 12, "minute": 33, "second": 53}
